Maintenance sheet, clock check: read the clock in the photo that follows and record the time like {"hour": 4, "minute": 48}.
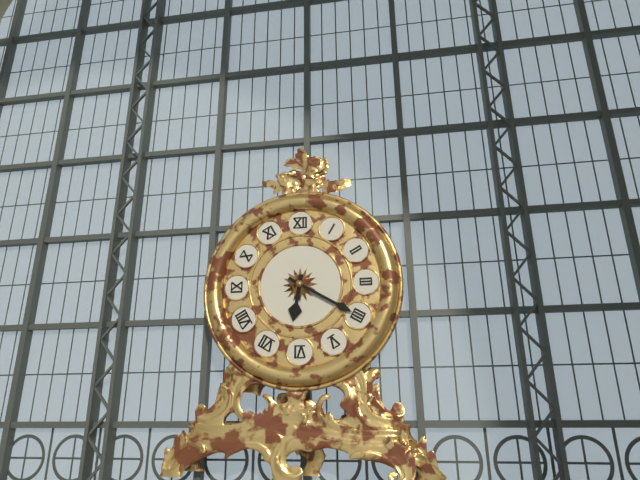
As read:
{"hour": 6, "minute": 20}
